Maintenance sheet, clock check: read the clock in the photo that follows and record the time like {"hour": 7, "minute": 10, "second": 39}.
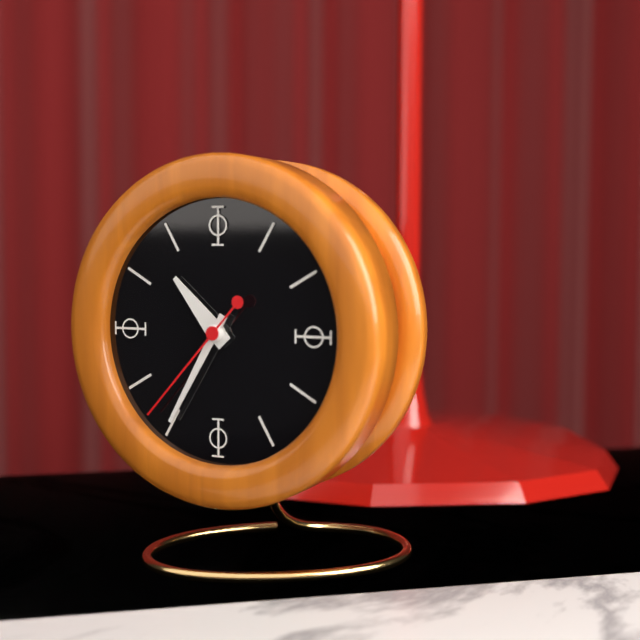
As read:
{"hour": 10, "minute": 35, "second": 37}
